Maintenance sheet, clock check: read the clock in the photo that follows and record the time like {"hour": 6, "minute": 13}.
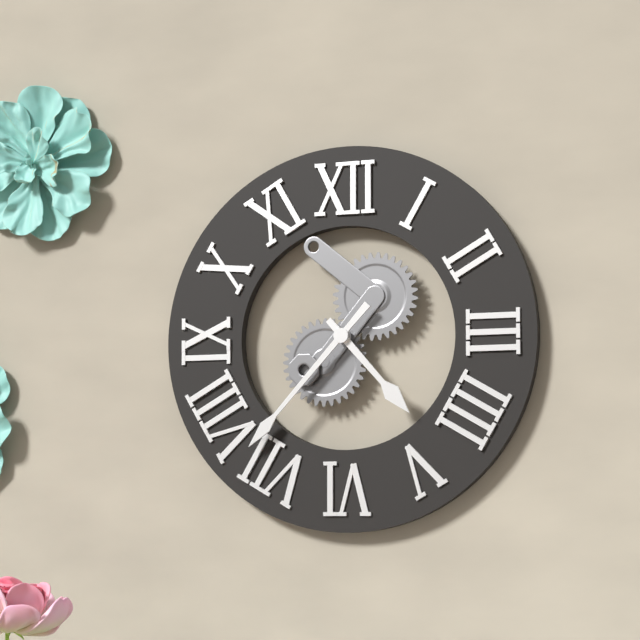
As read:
{"hour": 4, "minute": 37}
